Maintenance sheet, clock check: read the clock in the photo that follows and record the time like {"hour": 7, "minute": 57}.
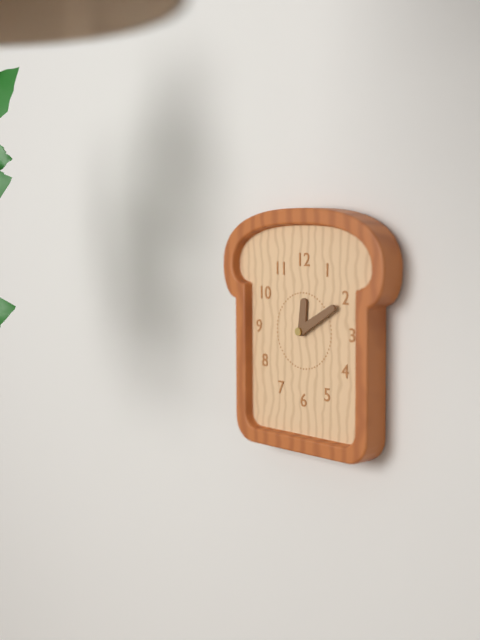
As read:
{"hour": 12, "minute": 10}
